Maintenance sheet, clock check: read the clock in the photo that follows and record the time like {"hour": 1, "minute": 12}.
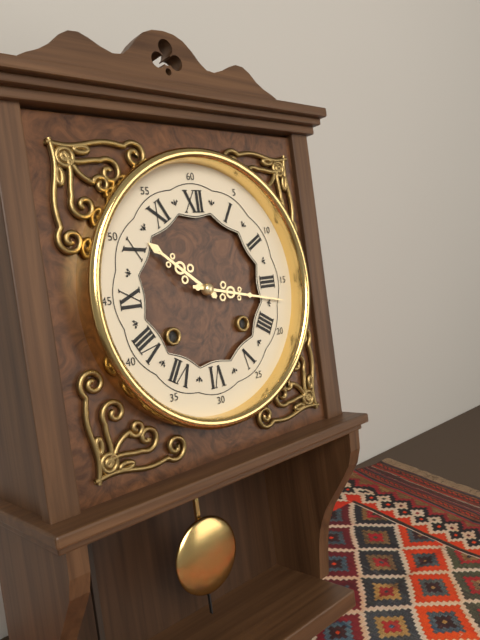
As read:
{"hour": 10, "minute": 17}
